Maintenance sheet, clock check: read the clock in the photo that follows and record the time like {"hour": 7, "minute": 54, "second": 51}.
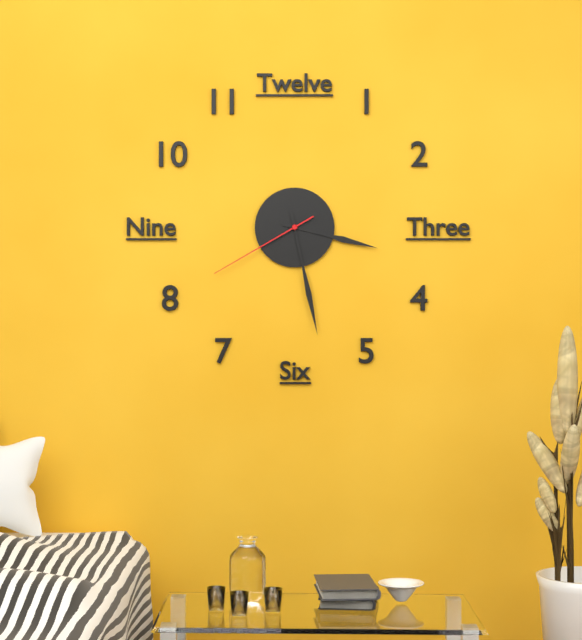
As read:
{"hour": 3, "minute": 28, "second": 40}
